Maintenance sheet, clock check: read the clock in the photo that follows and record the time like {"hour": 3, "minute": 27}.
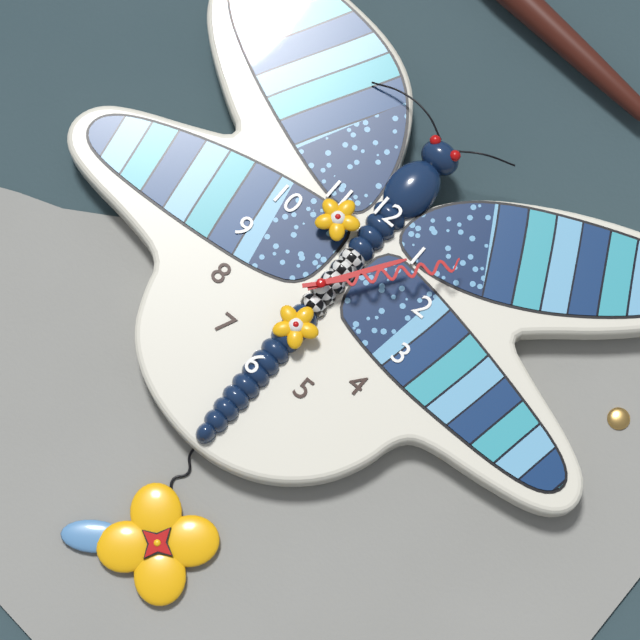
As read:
{"hour": 1, "minute": 7}
